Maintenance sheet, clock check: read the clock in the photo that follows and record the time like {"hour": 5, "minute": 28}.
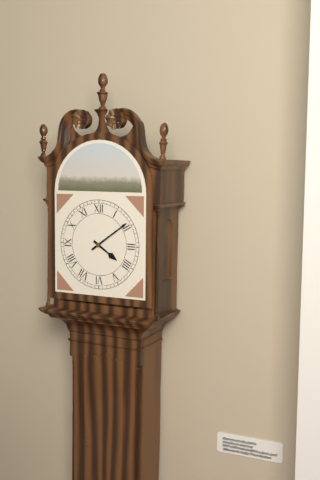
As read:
{"hour": 4, "minute": 9}
